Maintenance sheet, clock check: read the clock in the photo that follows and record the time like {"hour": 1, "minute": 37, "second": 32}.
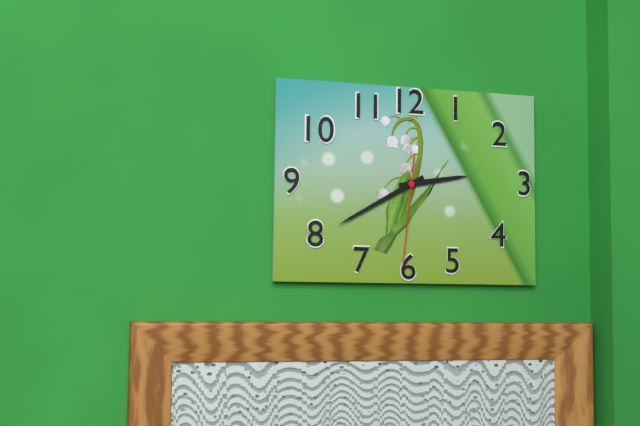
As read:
{"hour": 2, "minute": 40, "second": 31}
